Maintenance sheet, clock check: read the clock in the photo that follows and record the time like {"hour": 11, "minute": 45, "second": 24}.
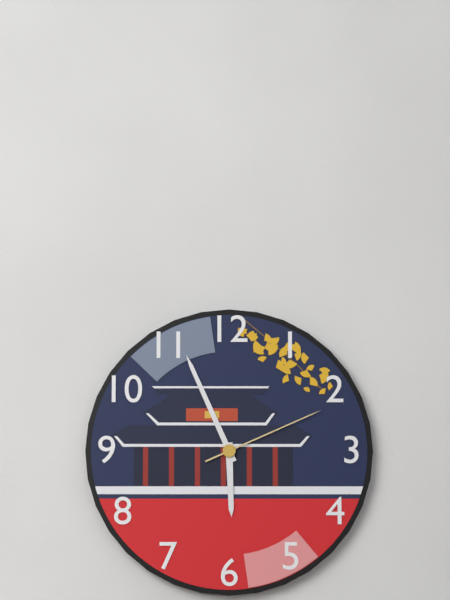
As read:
{"hour": 5, "minute": 56, "second": 11}
